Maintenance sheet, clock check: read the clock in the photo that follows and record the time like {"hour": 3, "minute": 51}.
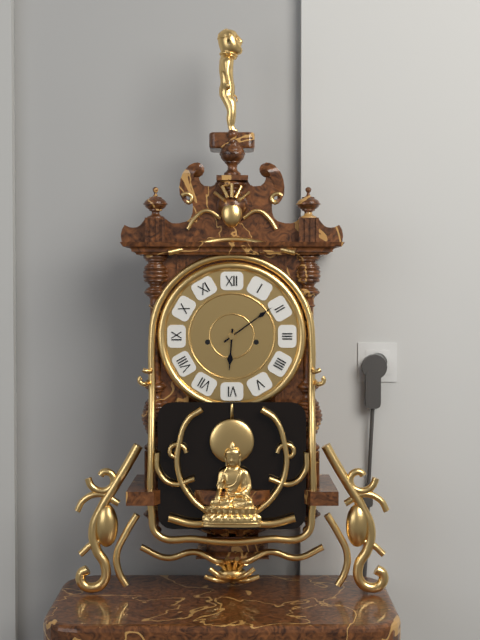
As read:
{"hour": 6, "minute": 9}
